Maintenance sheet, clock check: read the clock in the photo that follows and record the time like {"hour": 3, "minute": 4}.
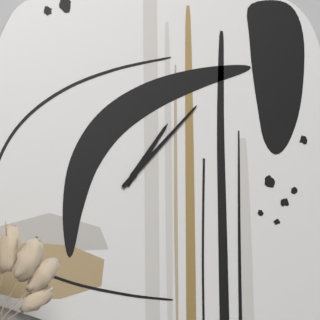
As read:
{"hour": 1, "minute": 7}
